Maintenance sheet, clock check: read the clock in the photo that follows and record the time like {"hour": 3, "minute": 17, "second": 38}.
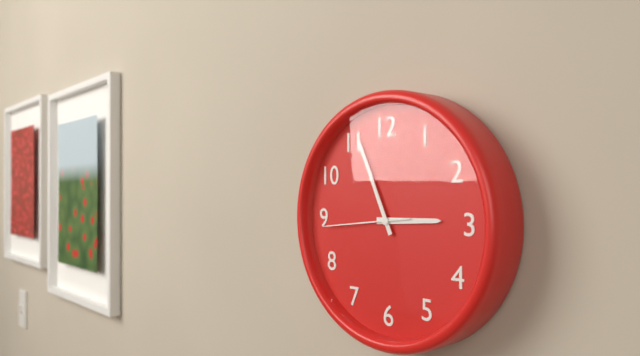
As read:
{"hour": 2, "minute": 56, "second": 44}
